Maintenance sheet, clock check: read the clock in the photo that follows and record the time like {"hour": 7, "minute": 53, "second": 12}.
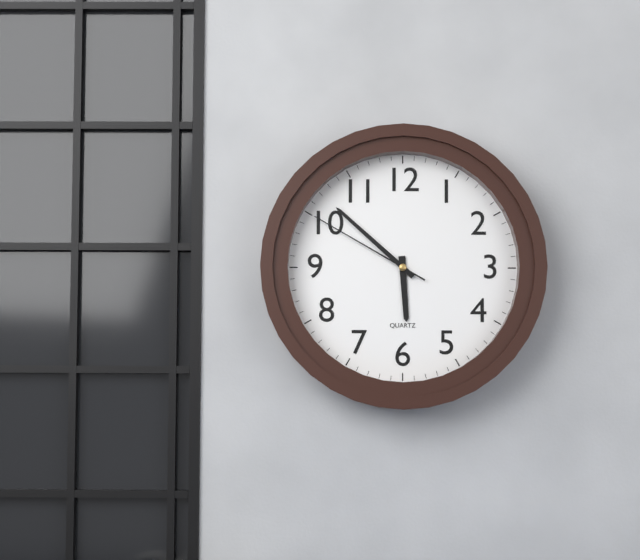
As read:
{"hour": 5, "minute": 52, "second": 50}
